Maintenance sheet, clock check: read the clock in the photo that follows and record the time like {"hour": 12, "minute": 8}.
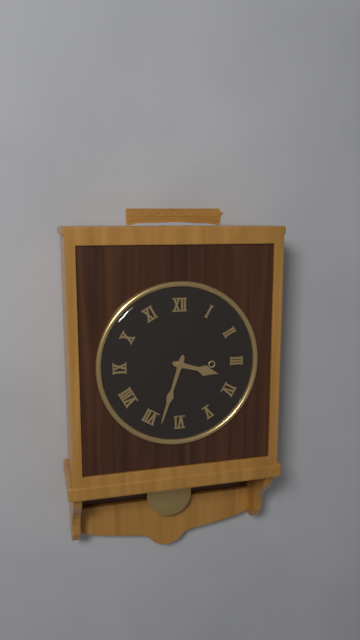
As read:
{"hour": 3, "minute": 33}
